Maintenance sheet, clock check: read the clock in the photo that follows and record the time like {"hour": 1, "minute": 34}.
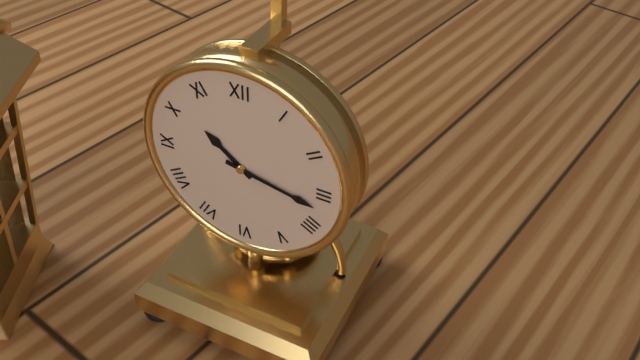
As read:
{"hour": 10, "minute": 17}
